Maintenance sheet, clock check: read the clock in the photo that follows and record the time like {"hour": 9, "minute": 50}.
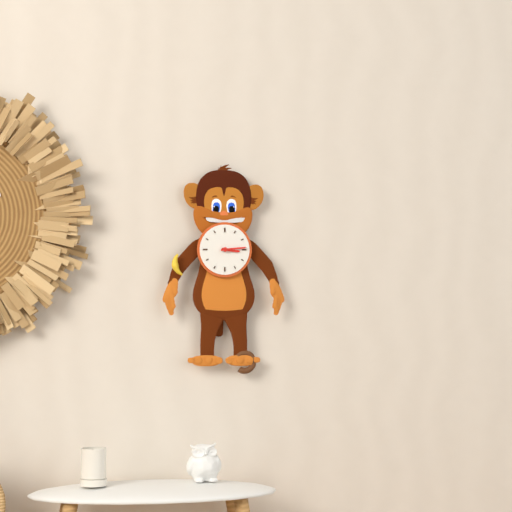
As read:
{"hour": 3, "minute": 14}
